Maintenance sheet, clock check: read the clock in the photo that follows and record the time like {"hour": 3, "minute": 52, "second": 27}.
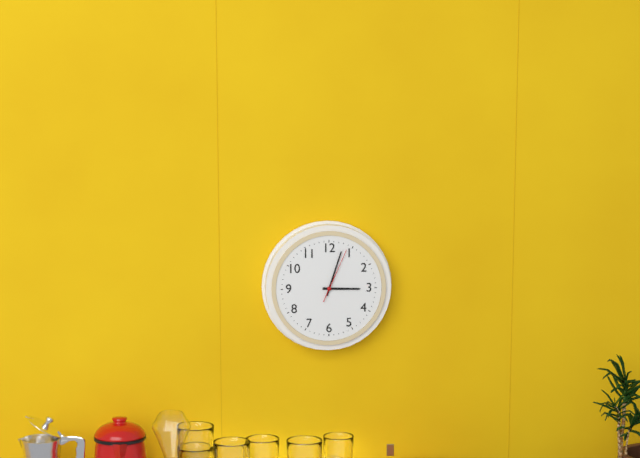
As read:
{"hour": 3, "minute": 3, "second": 4}
